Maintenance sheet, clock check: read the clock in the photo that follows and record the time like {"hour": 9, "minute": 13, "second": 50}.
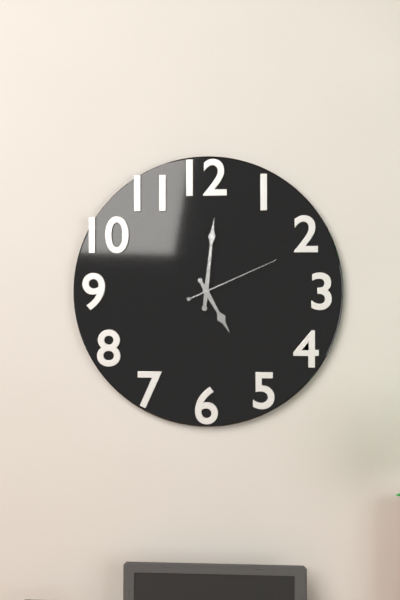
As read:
{"hour": 5, "minute": 1, "second": 11}
